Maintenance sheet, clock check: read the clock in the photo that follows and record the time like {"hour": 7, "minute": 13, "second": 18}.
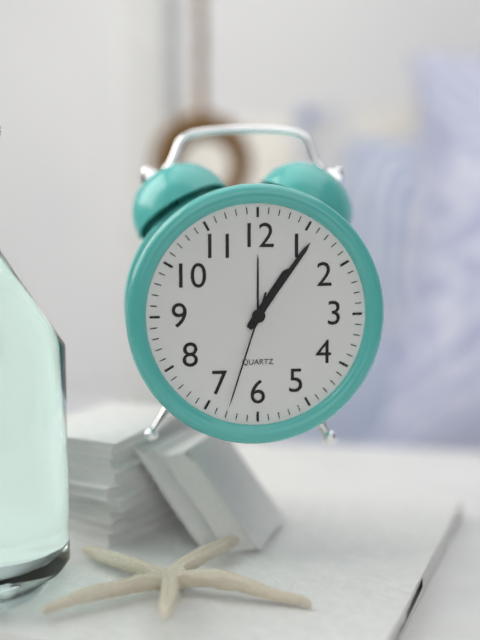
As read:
{"hour": 1, "minute": 6, "second": 33}
